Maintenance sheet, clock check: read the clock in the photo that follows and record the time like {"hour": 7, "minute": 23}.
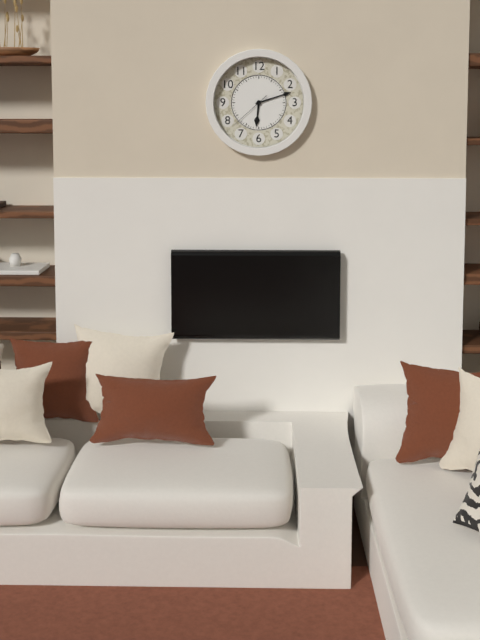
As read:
{"hour": 6, "minute": 12}
